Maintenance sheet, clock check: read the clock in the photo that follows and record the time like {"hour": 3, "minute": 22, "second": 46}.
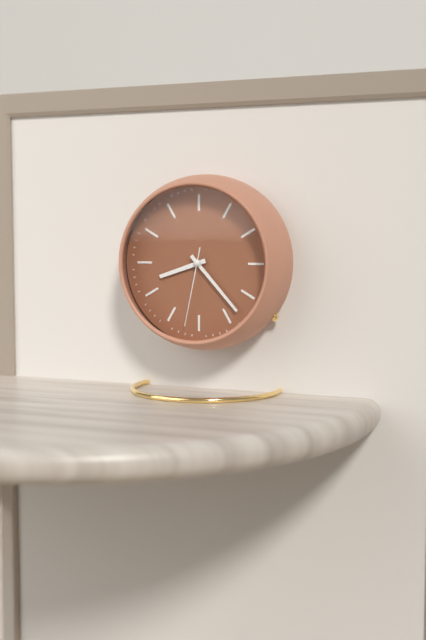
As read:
{"hour": 8, "minute": 23, "second": 32}
